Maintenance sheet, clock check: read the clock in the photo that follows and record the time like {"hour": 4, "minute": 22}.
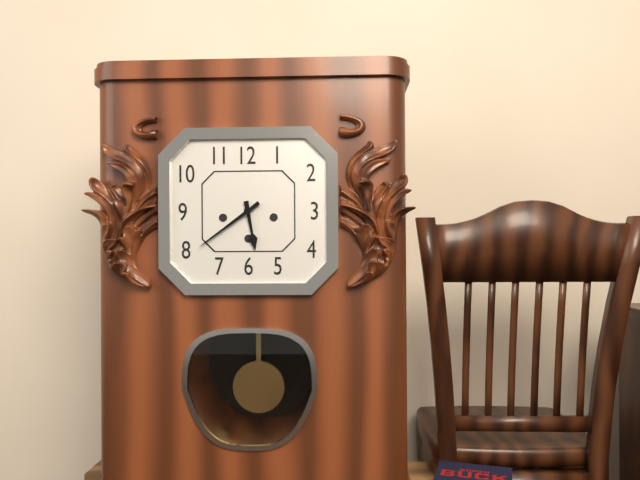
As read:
{"hour": 5, "minute": 39}
